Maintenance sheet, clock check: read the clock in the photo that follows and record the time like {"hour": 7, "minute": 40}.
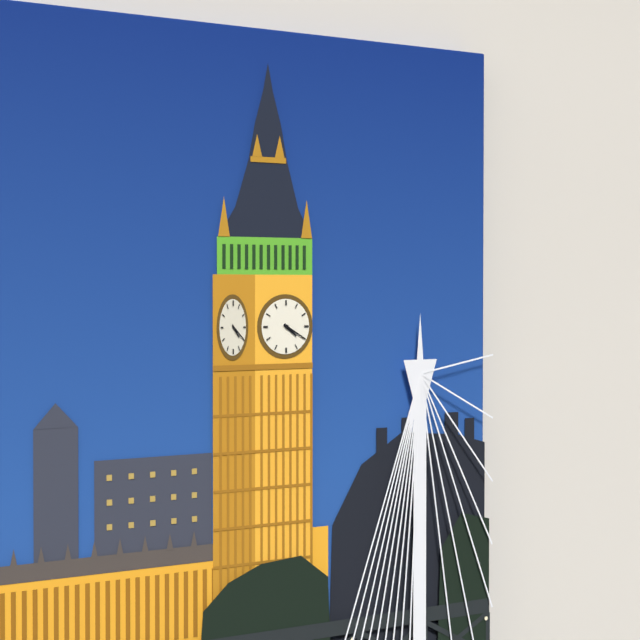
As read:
{"hour": 4, "minute": 20}
